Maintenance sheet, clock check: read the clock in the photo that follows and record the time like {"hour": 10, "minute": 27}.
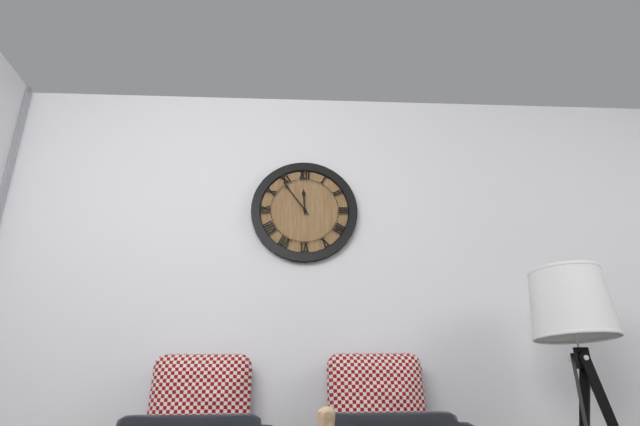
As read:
{"hour": 11, "minute": 54}
